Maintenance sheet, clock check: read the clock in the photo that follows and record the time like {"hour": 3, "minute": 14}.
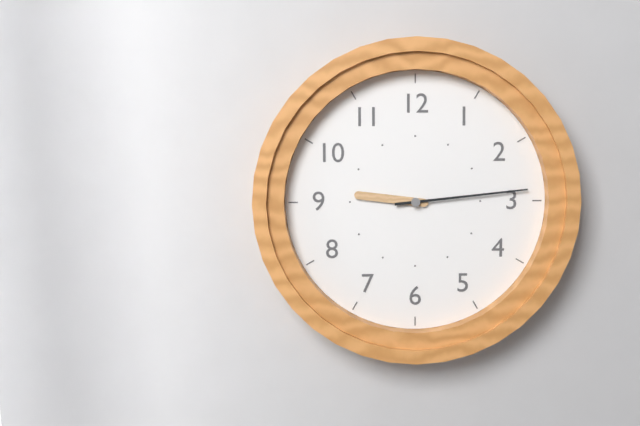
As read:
{"hour": 9, "minute": 14}
